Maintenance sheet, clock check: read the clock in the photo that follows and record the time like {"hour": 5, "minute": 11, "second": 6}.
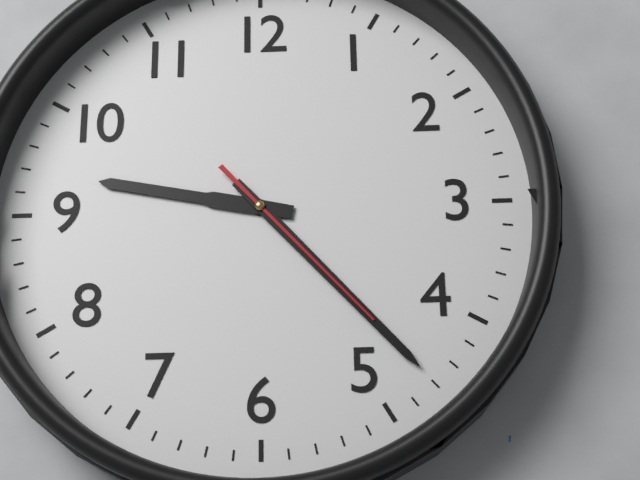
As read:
{"hour": 9, "minute": 23, "second": 23}
